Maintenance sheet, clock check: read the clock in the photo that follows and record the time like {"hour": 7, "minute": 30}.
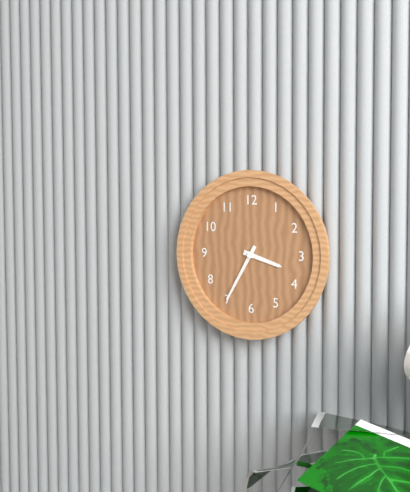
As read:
{"hour": 3, "minute": 35}
